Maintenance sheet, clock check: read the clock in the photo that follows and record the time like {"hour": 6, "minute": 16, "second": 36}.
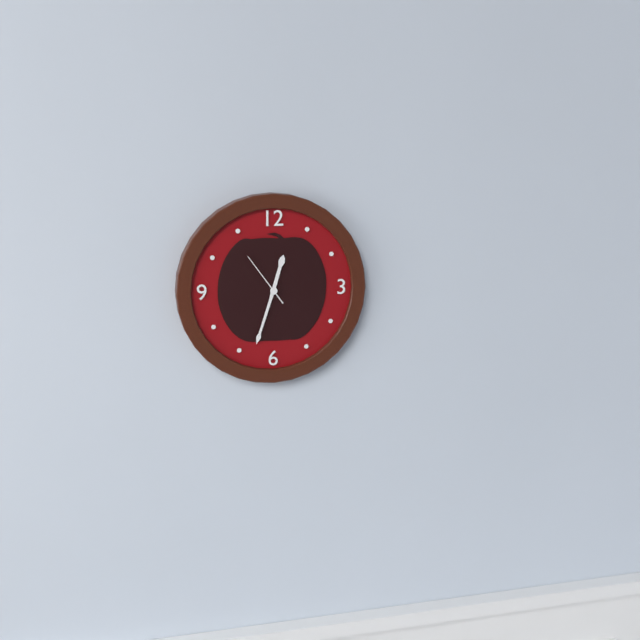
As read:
{"hour": 12, "minute": 33, "second": 54}
